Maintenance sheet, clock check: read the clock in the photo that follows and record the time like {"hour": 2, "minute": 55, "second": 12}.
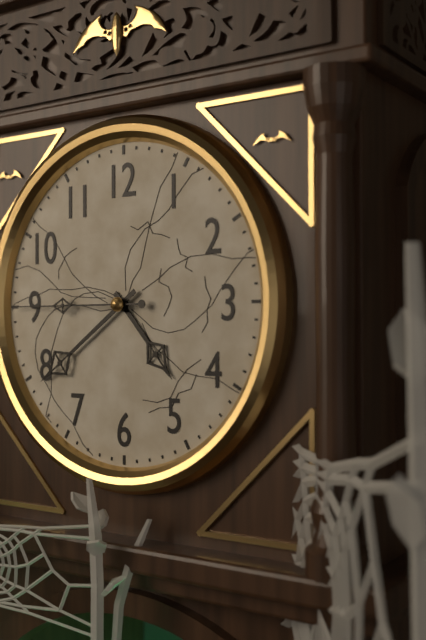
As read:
{"hour": 4, "minute": 39, "second": 45}
